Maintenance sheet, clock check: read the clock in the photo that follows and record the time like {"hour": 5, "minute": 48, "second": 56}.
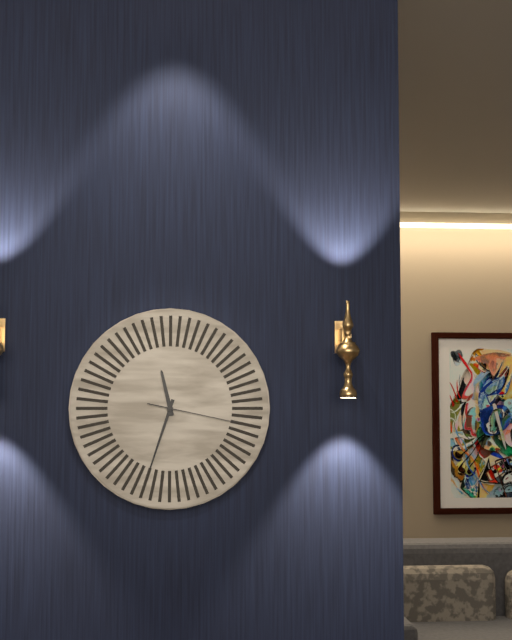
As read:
{"hour": 11, "minute": 33, "second": 17}
